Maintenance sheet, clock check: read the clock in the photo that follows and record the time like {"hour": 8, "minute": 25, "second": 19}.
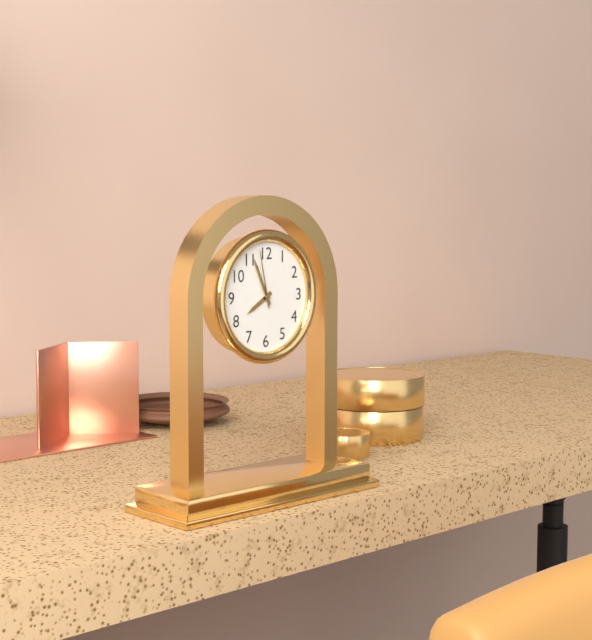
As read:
{"hour": 7, "minute": 56, "second": 58}
